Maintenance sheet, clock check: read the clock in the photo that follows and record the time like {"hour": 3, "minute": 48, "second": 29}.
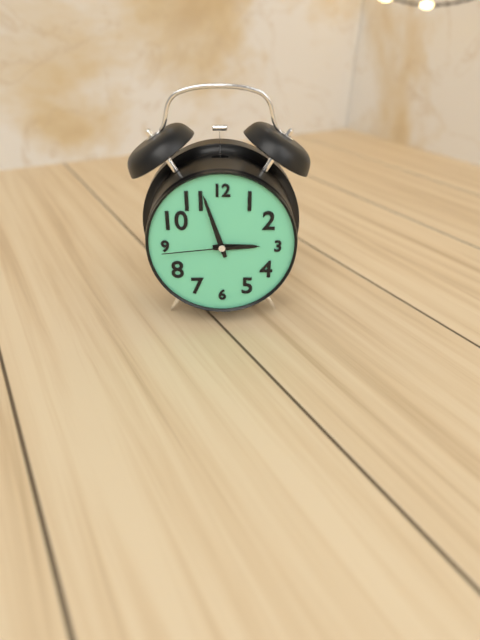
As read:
{"hour": 2, "minute": 57, "second": 44}
